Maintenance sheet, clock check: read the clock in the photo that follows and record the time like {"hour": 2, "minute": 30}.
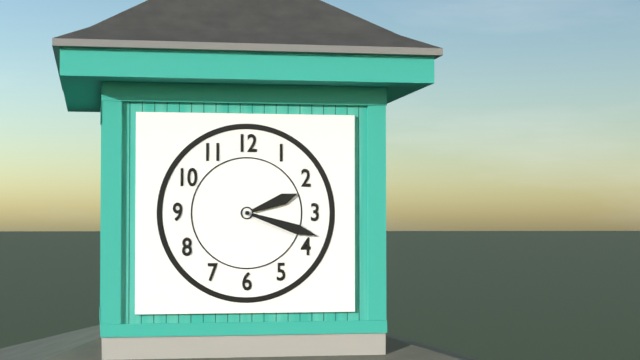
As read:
{"hour": 2, "minute": 18}
